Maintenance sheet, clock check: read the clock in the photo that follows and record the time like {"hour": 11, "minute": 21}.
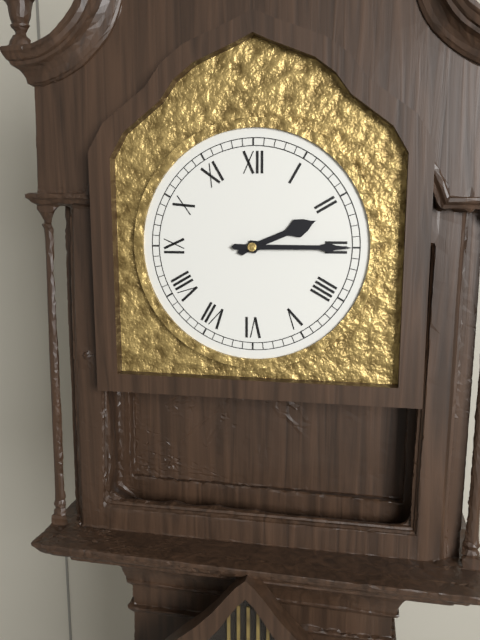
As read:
{"hour": 2, "minute": 15}
